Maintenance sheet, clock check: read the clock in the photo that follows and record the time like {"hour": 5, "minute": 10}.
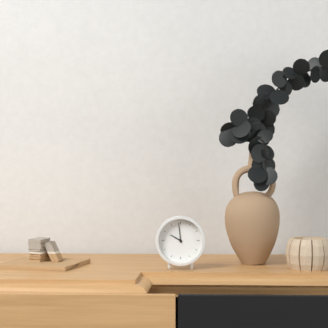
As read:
{"hour": 9, "minute": 59}
